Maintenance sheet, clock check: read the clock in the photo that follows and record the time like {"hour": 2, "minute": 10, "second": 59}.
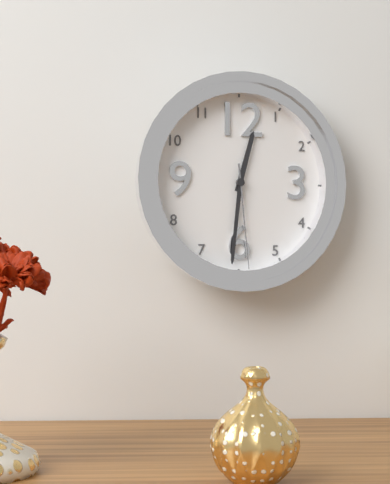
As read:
{"hour": 12, "minute": 31, "second": 29}
